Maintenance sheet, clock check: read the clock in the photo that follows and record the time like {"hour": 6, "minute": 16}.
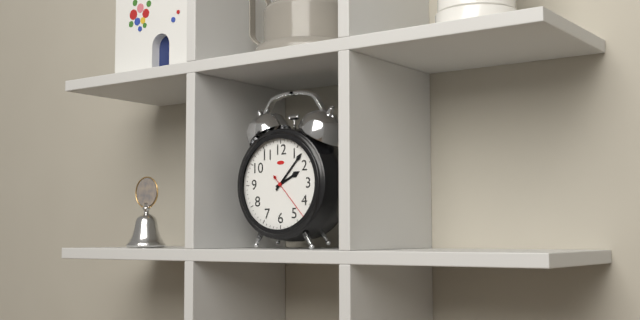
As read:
{"hour": 2, "minute": 7}
